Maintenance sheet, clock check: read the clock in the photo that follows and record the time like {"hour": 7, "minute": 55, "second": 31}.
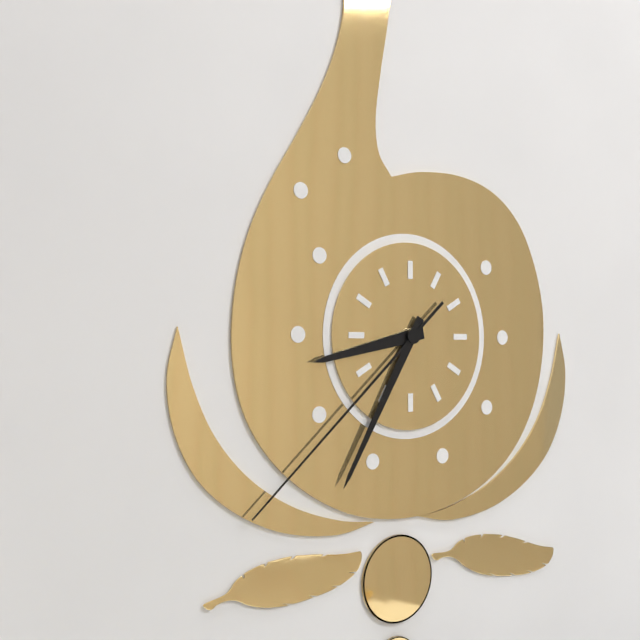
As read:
{"hour": 8, "minute": 35, "second": 38}
